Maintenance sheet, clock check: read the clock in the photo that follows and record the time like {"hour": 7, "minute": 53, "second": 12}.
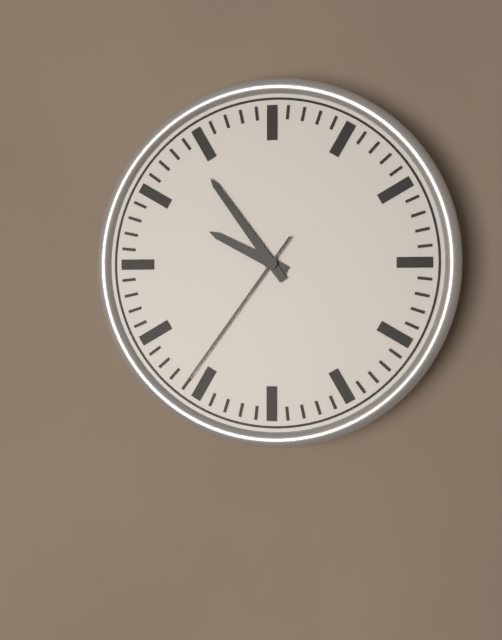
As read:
{"hour": 9, "minute": 54, "second": 36}
